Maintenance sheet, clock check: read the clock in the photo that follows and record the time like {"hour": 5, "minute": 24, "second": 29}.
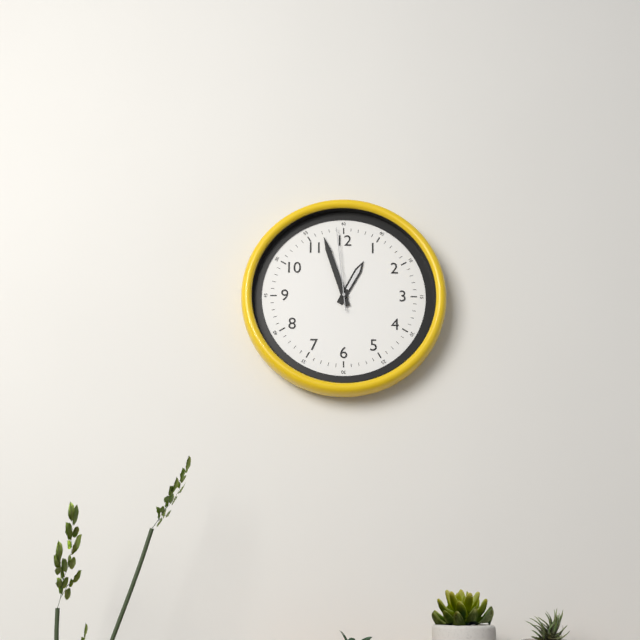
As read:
{"hour": 12, "minute": 57, "second": 59}
